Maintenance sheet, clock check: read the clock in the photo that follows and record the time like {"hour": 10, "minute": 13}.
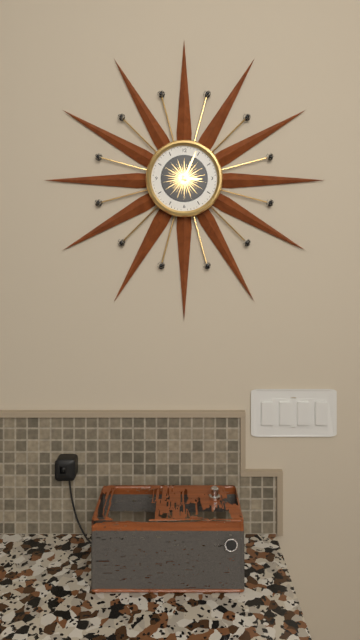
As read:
{"hour": 3, "minute": 4}
